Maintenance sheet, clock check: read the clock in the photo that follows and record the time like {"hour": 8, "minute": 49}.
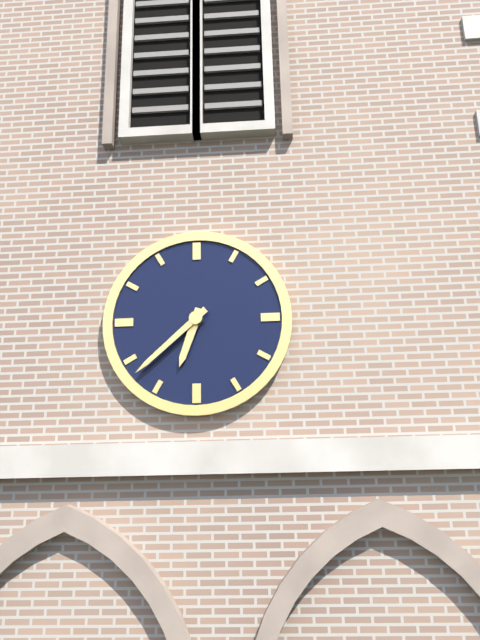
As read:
{"hour": 6, "minute": 38}
